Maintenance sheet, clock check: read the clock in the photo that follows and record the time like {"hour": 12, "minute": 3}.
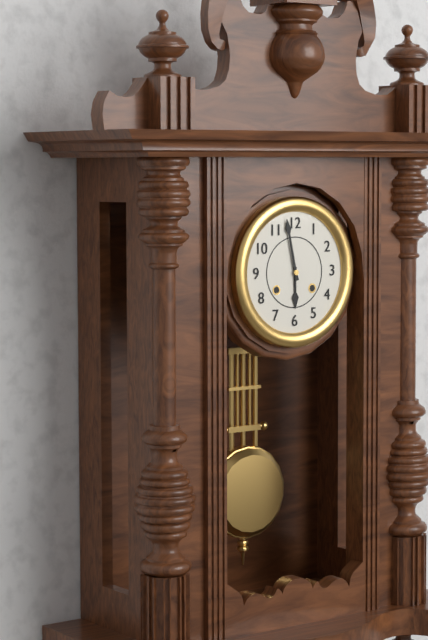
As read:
{"hour": 5, "minute": 58}
